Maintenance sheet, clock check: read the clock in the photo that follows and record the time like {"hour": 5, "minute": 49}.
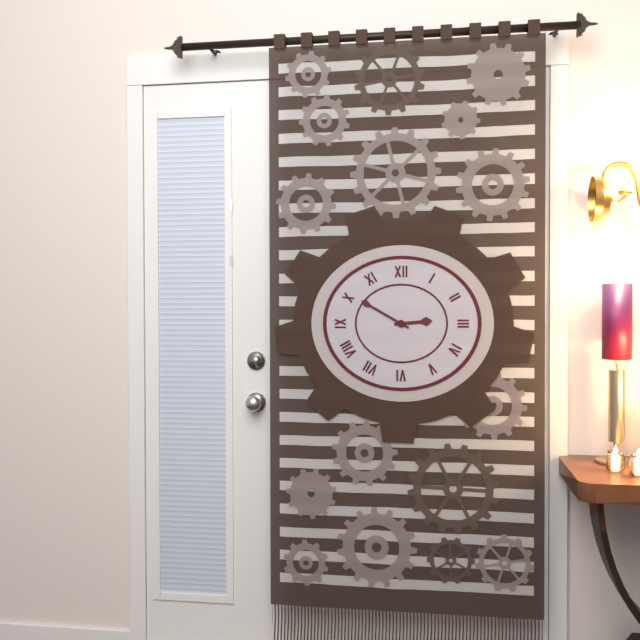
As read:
{"hour": 2, "minute": 50}
